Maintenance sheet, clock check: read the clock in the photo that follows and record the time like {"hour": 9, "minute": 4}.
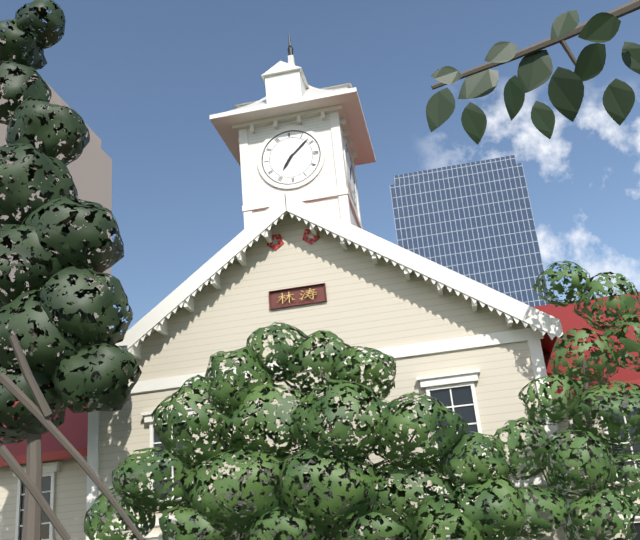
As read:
{"hour": 7, "minute": 8}
